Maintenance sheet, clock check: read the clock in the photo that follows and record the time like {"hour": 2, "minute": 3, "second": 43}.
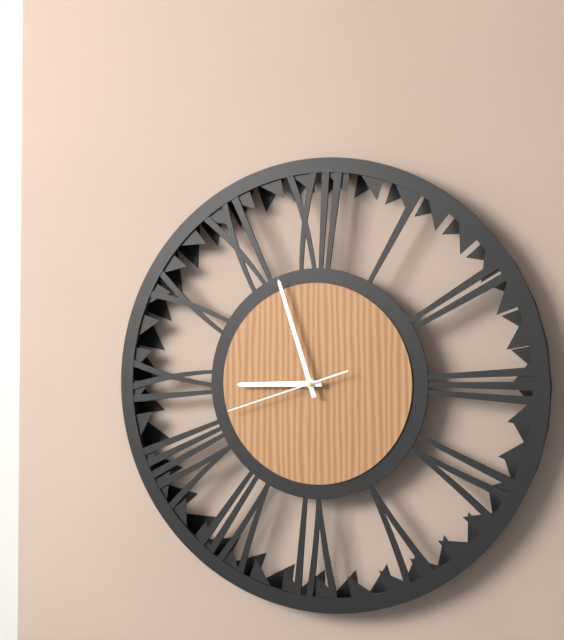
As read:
{"hour": 8, "minute": 57, "second": 42}
